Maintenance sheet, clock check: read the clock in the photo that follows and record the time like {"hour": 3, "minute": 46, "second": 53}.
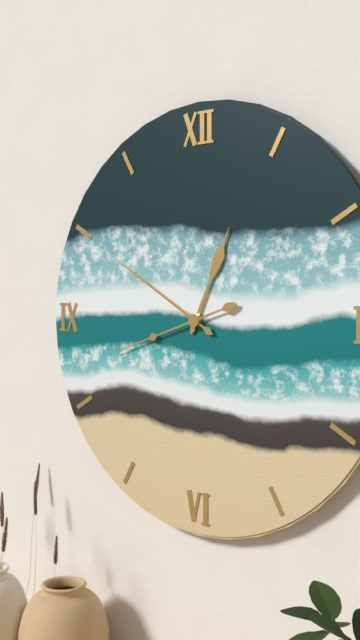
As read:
{"hour": 12, "minute": 50, "second": 42}
